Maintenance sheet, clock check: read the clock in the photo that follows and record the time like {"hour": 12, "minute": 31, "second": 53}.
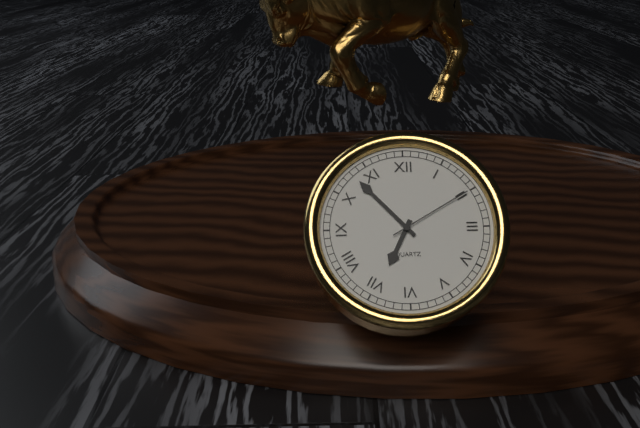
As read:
{"hour": 6, "minute": 53, "second": 10}
